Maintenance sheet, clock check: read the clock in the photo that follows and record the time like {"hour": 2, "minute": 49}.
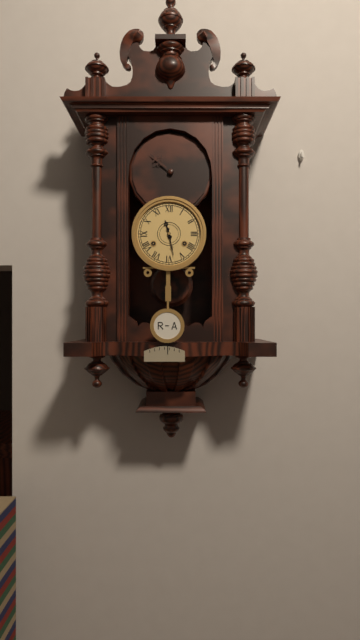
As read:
{"hour": 11, "minute": 28}
